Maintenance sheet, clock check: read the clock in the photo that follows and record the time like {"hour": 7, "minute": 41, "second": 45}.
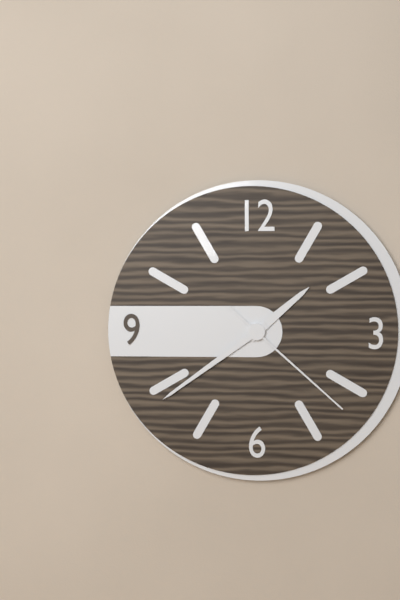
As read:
{"hour": 1, "minute": 39, "second": 22}
